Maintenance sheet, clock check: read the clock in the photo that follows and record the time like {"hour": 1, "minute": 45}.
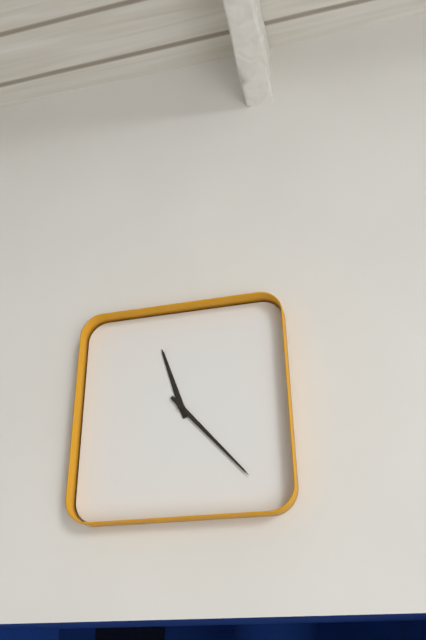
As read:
{"hour": 11, "minute": 23}
